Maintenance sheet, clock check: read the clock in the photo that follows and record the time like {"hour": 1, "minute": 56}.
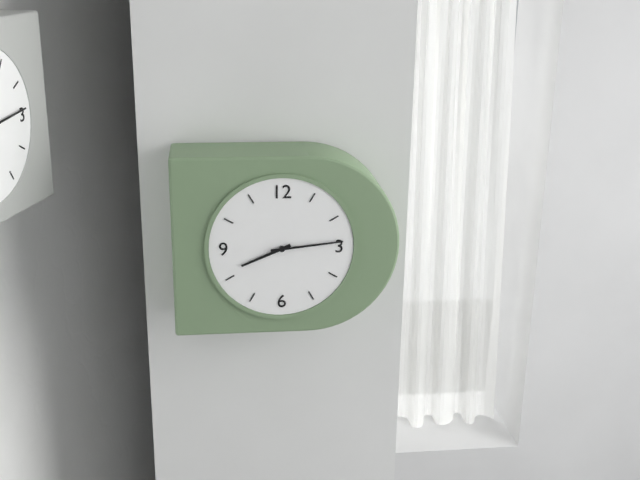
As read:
{"hour": 8, "minute": 14}
